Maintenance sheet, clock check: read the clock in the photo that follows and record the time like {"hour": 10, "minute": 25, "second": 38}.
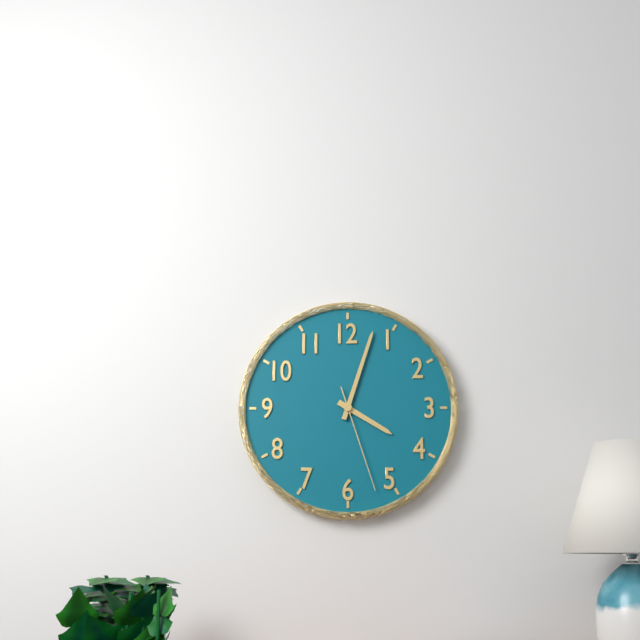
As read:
{"hour": 4, "minute": 3, "second": 27}
